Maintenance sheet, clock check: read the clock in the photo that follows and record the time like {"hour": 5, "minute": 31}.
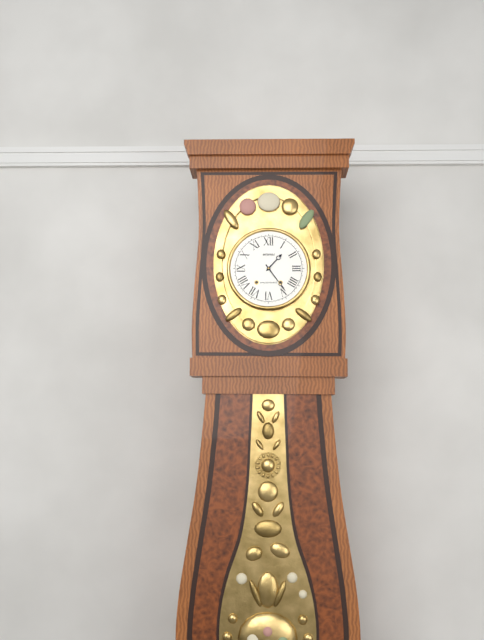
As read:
{"hour": 1, "minute": 24}
